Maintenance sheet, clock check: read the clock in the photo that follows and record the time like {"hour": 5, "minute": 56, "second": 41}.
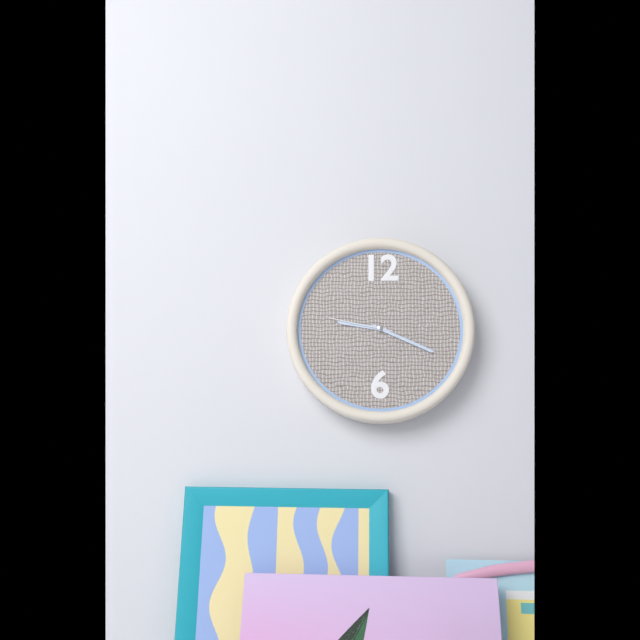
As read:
{"hour": 9, "minute": 19, "second": 47}
